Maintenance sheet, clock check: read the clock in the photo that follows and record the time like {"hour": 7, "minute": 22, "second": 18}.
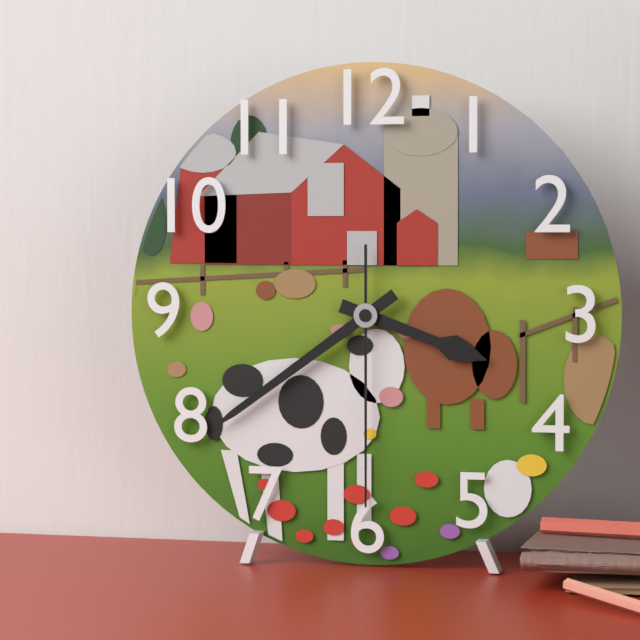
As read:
{"hour": 3, "minute": 39, "second": 30}
